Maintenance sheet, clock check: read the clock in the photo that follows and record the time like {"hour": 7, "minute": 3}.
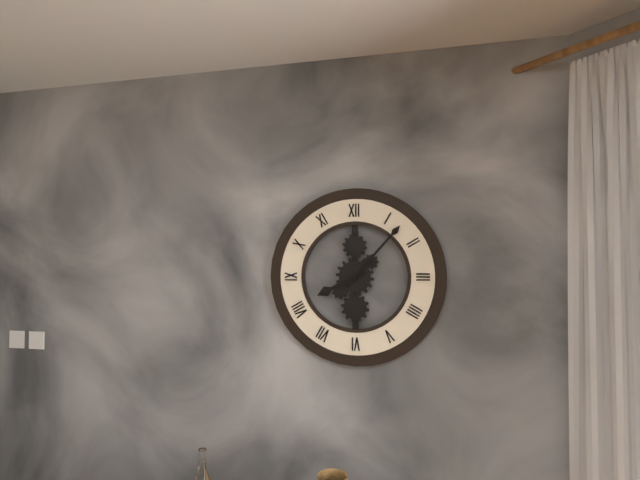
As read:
{"hour": 8, "minute": 7}
